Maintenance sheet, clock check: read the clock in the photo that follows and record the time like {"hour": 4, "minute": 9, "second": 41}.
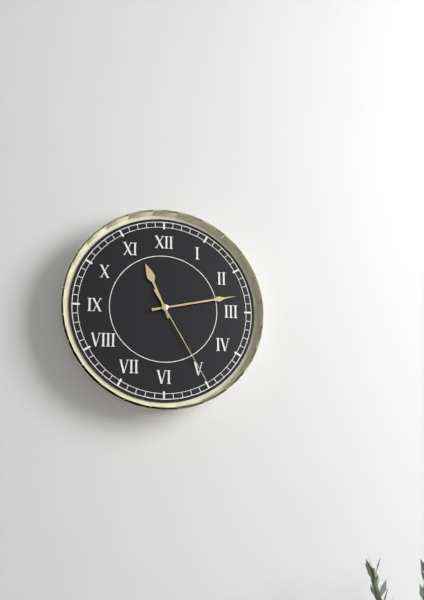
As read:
{"hour": 11, "minute": 13, "second": 25}
